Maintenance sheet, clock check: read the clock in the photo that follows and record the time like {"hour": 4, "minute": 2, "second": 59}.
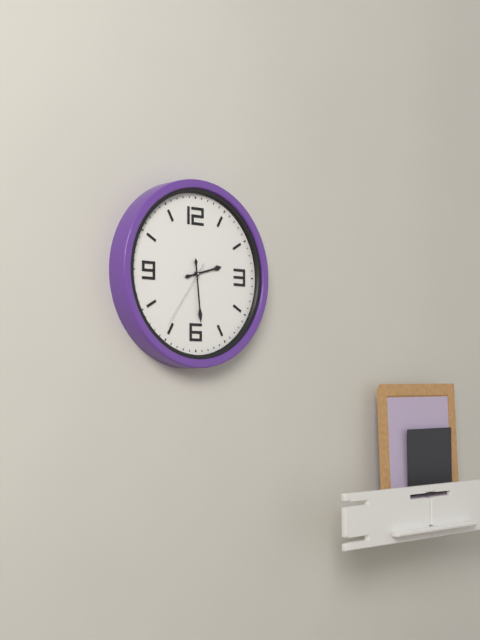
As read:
{"hour": 2, "minute": 29, "second": 36}
